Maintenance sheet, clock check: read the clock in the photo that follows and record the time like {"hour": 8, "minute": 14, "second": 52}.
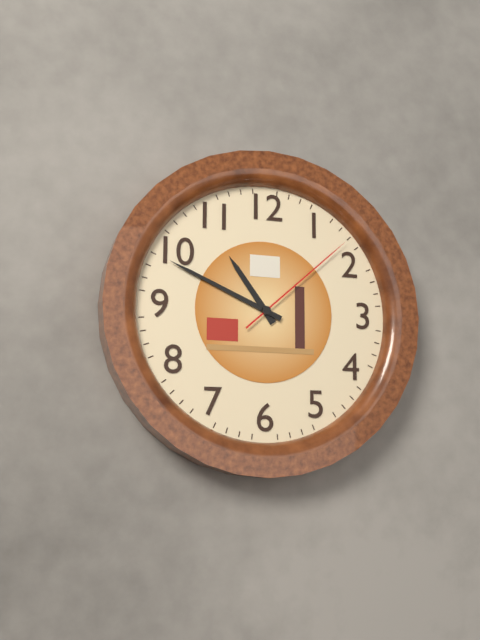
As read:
{"hour": 10, "minute": 49, "second": 8}
